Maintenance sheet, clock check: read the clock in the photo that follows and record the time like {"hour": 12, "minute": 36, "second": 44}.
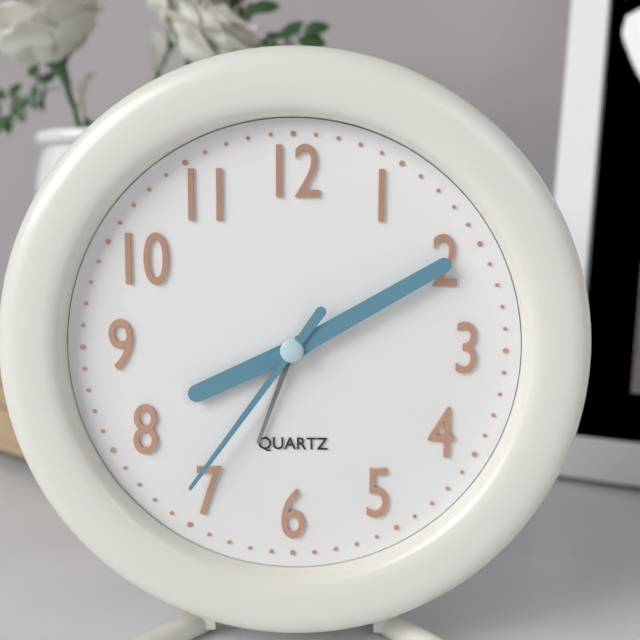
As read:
{"hour": 8, "minute": 10, "second": 36}
